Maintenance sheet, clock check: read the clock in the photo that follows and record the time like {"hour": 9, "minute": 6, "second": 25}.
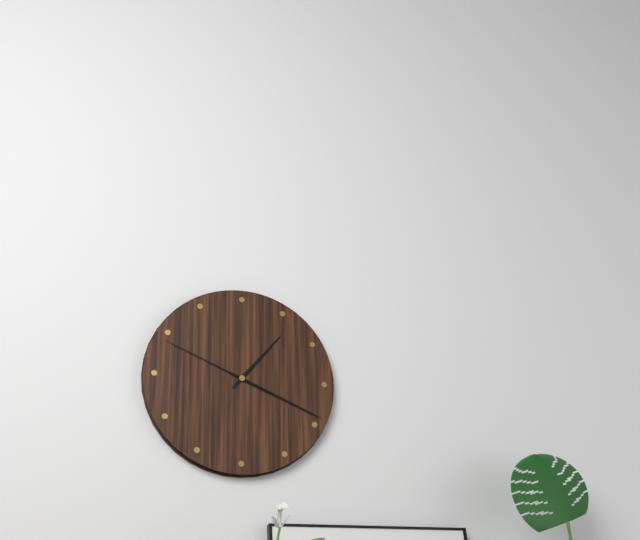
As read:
{"hour": 1, "minute": 19, "second": 49}
